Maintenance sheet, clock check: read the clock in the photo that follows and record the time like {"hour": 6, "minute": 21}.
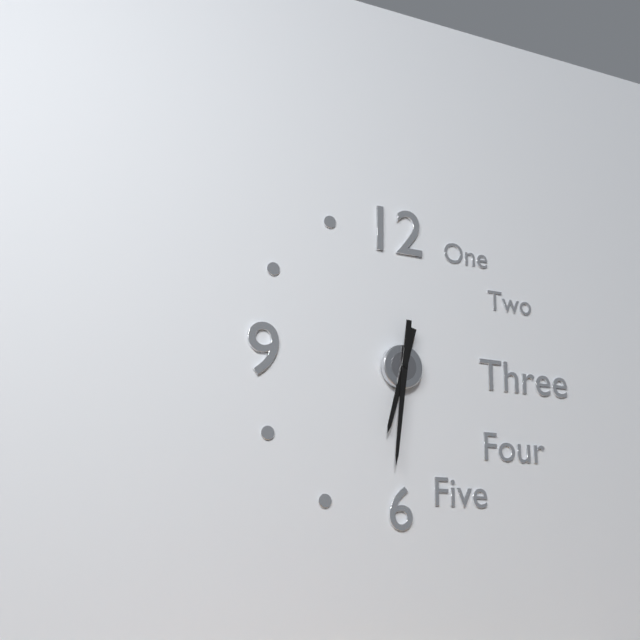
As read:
{"hour": 6, "minute": 31}
